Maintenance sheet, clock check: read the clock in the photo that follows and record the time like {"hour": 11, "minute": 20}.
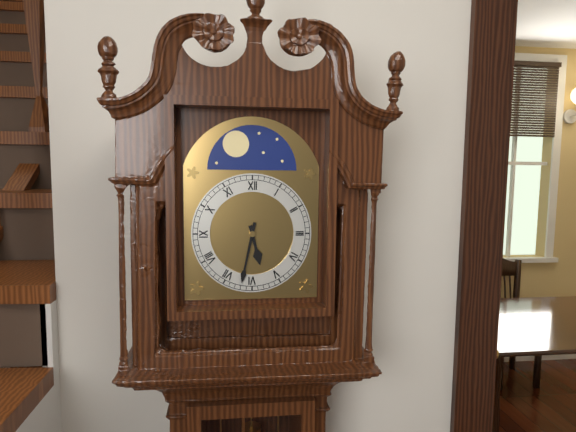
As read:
{"hour": 5, "minute": 32}
